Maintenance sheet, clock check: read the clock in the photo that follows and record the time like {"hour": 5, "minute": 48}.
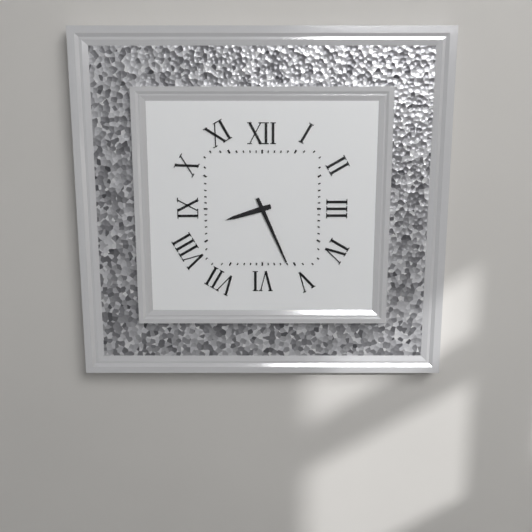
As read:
{"hour": 8, "minute": 26}
